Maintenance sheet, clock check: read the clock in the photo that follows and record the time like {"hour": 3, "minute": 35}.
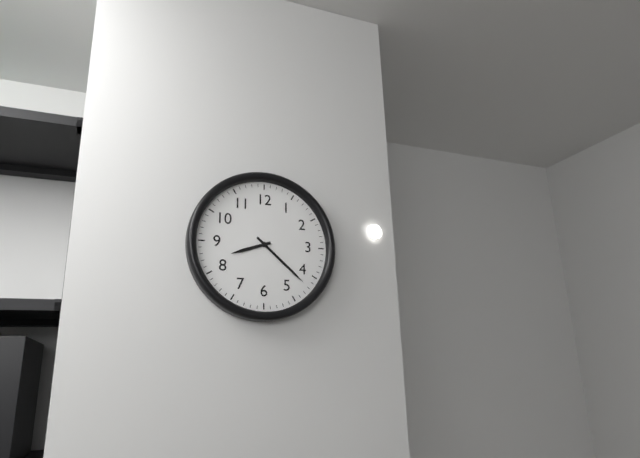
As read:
{"hour": 8, "minute": 22}
